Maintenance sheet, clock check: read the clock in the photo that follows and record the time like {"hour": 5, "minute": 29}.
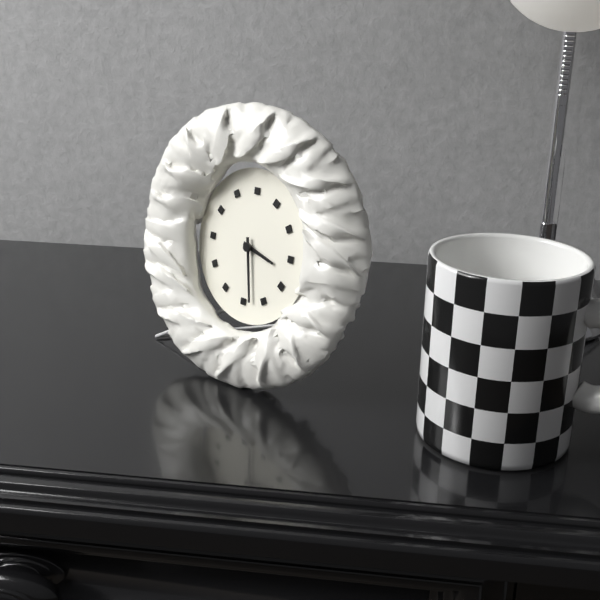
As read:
{"hour": 3, "minute": 28}
